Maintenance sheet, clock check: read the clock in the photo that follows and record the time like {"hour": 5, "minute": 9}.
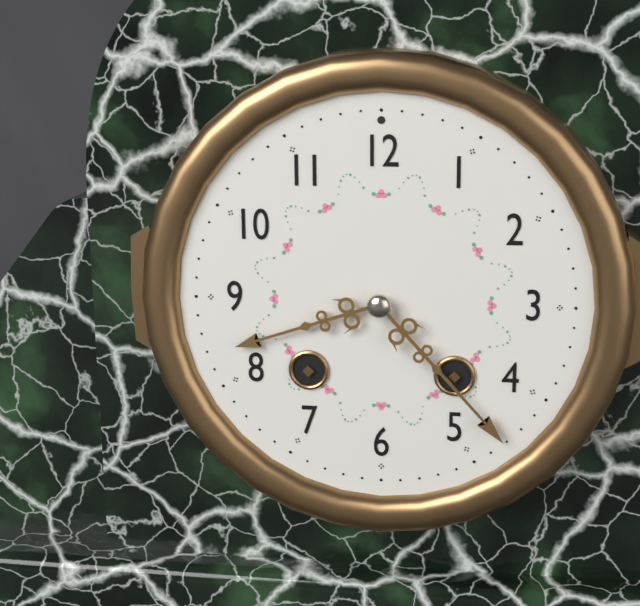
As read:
{"hour": 8, "minute": 23}
